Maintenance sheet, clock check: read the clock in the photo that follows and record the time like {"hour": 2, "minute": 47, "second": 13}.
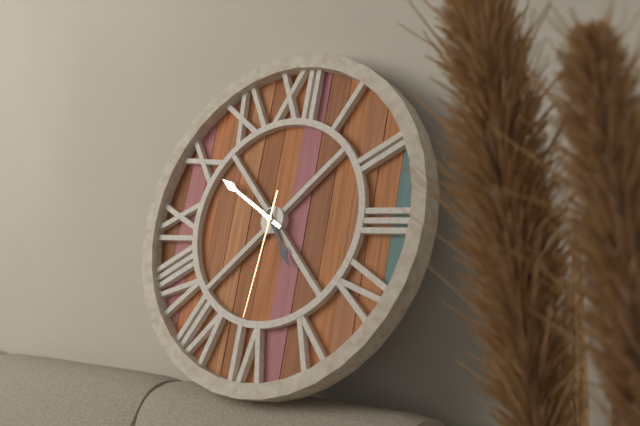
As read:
{"hour": 4, "minute": 50, "second": 31}
